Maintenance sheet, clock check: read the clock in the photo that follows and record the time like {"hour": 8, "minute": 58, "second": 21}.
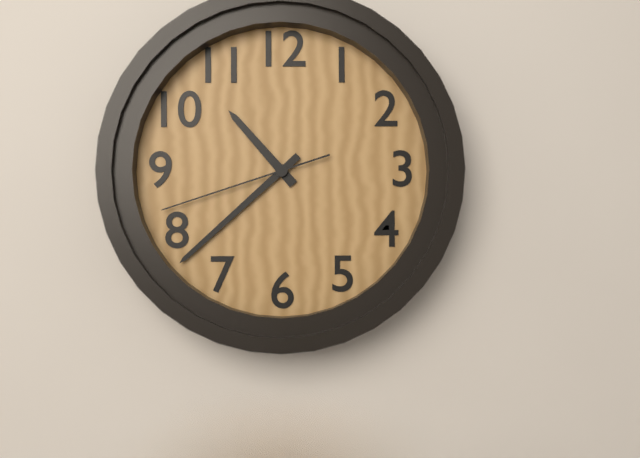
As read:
{"hour": 10, "minute": 38, "second": 42}
